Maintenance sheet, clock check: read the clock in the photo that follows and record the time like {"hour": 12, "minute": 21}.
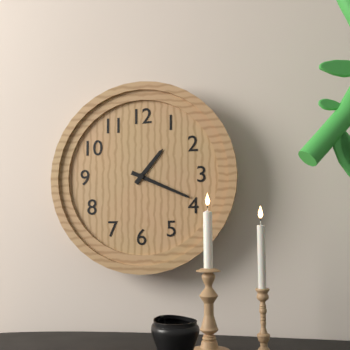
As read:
{"hour": 1, "minute": 19}
